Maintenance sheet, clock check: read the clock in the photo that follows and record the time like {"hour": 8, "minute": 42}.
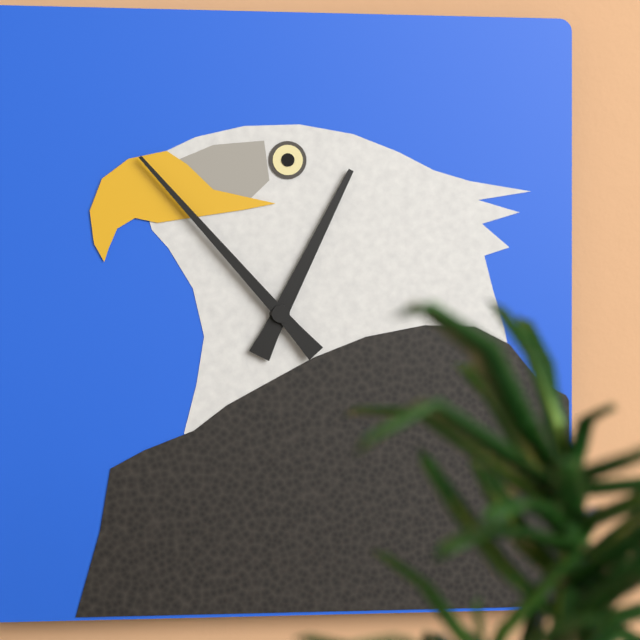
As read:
{"hour": 12, "minute": 53}
